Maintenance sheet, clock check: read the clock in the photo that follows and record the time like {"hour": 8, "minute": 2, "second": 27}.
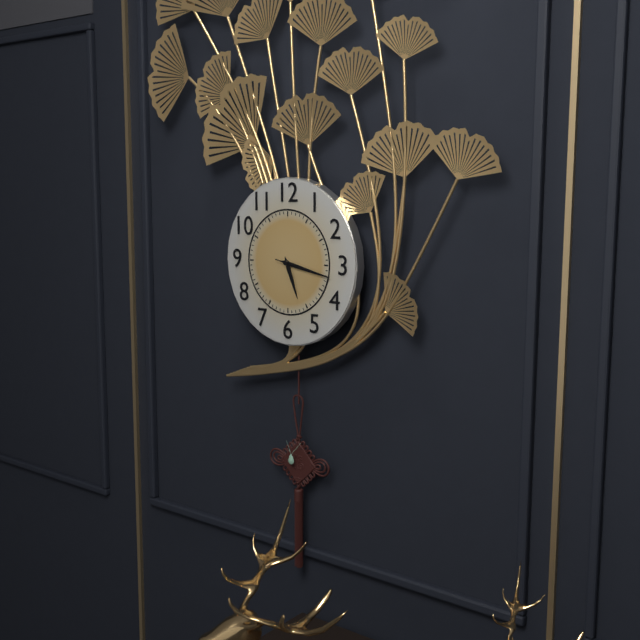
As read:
{"hour": 5, "minute": 17, "second": 17}
